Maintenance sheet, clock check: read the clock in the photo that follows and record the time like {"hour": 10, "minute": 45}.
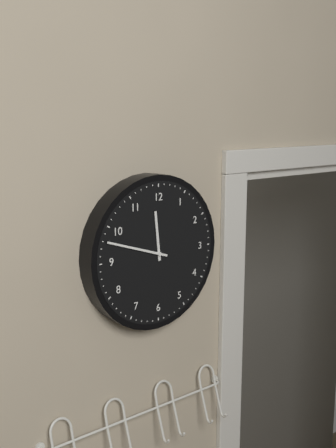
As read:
{"hour": 11, "minute": 48}
